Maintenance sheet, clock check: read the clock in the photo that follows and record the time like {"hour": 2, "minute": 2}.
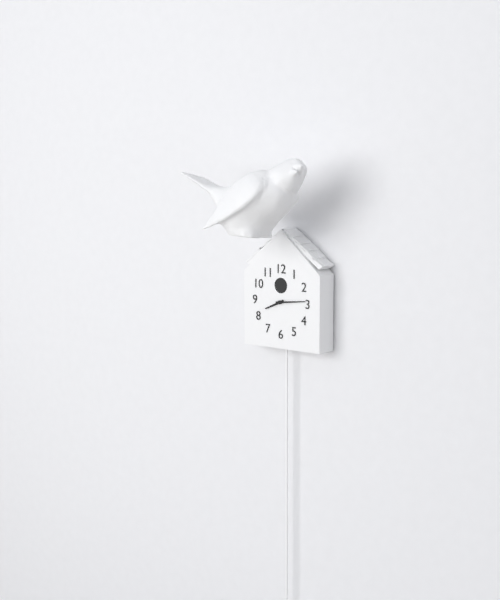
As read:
{"hour": 8, "minute": 14}
